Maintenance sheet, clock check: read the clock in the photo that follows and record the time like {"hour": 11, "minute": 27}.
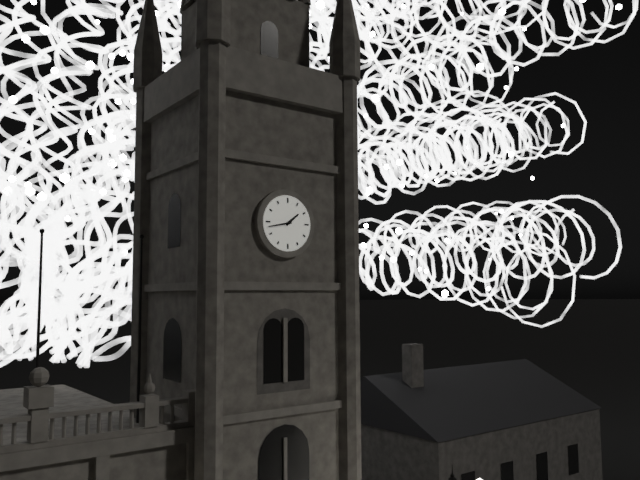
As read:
{"hour": 1, "minute": 43}
